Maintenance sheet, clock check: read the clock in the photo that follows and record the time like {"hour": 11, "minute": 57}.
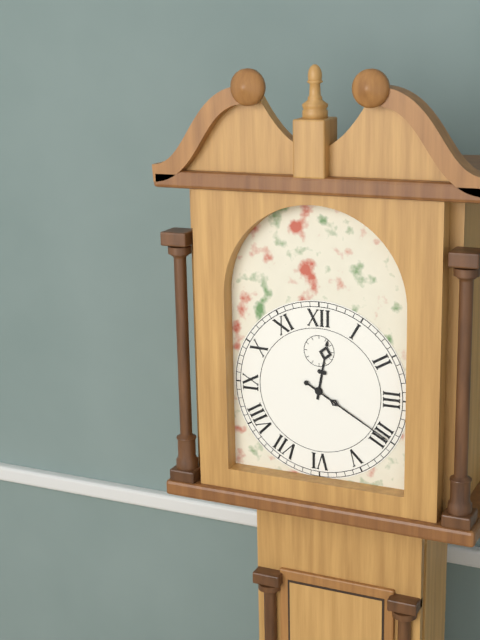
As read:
{"hour": 12, "minute": 20}
